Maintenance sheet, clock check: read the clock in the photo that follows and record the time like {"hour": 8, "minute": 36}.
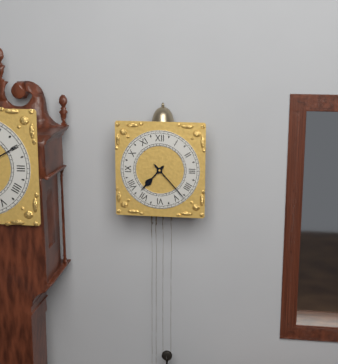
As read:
{"hour": 7, "minute": 23}
